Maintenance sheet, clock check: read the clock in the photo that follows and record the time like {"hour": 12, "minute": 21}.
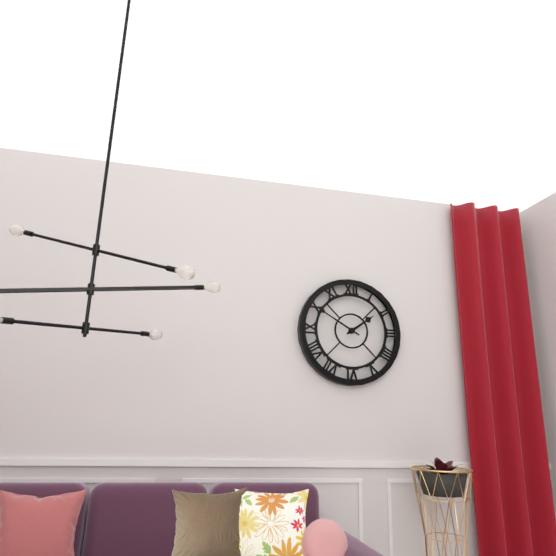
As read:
{"hour": 1, "minute": 50}
